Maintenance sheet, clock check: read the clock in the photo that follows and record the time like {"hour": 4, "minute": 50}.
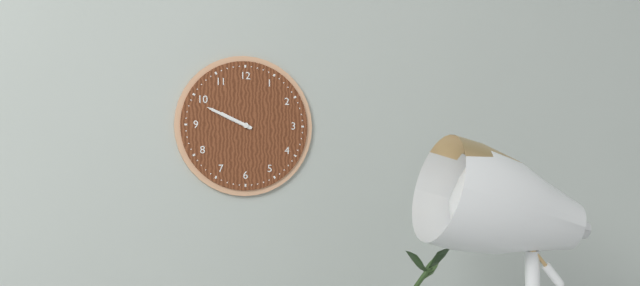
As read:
{"hour": 9, "minute": 49}
